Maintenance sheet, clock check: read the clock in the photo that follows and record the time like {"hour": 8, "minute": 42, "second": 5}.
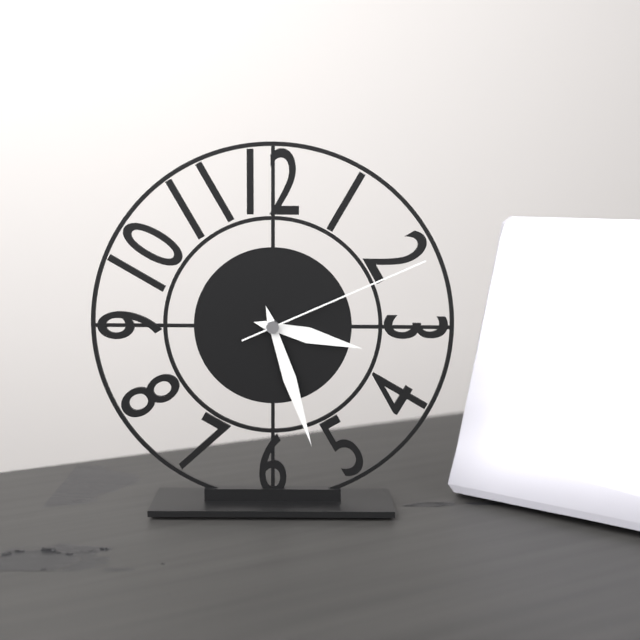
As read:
{"hour": 3, "minute": 27, "second": 11}
